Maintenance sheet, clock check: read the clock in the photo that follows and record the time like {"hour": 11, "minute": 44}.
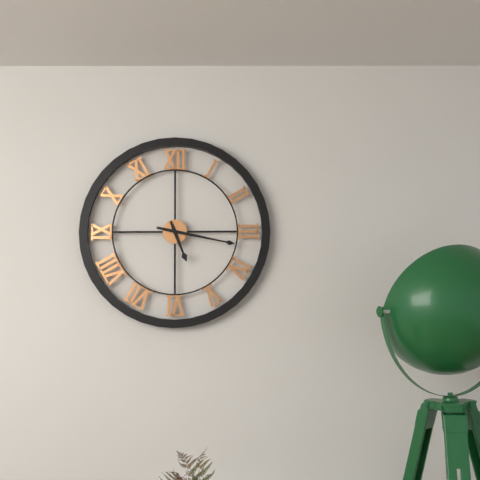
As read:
{"hour": 5, "minute": 17}
